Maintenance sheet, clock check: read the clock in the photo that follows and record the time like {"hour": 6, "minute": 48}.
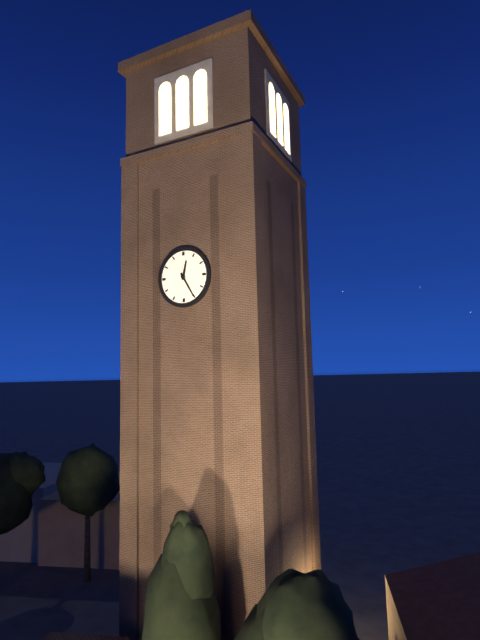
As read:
{"hour": 12, "minute": 25}
